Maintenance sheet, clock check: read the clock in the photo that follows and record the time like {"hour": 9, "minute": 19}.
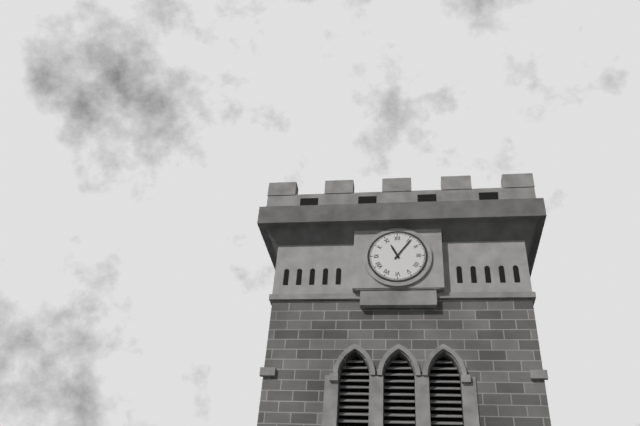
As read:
{"hour": 11, "minute": 6}
